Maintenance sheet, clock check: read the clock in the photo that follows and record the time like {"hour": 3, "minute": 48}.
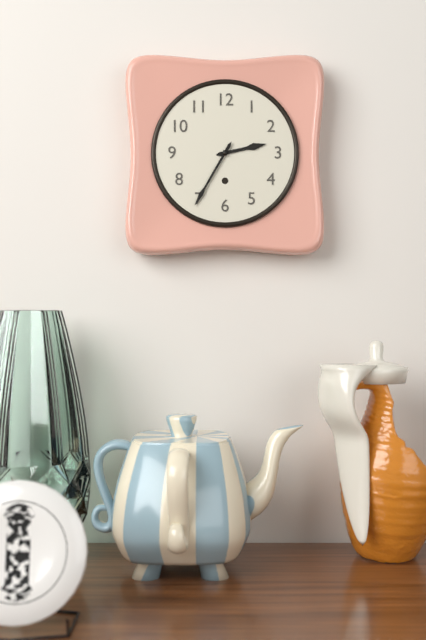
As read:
{"hour": 2, "minute": 35}
